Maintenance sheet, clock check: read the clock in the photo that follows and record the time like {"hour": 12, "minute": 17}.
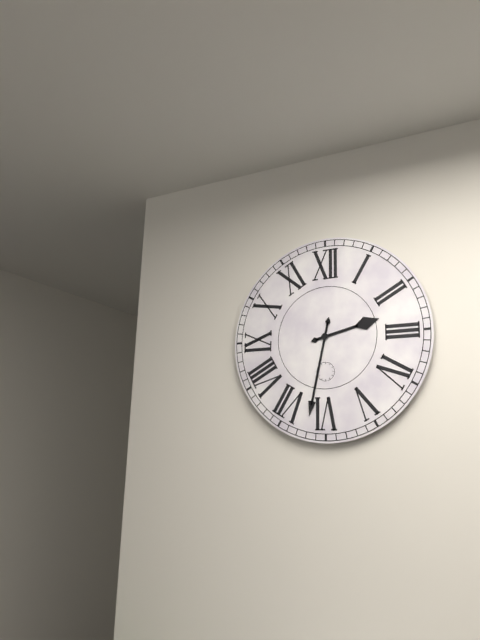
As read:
{"hour": 2, "minute": 32}
